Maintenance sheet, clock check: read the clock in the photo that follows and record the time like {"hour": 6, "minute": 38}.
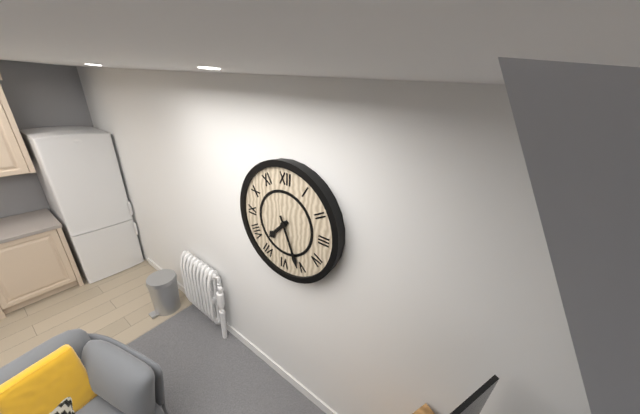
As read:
{"hour": 7, "minute": 26}
